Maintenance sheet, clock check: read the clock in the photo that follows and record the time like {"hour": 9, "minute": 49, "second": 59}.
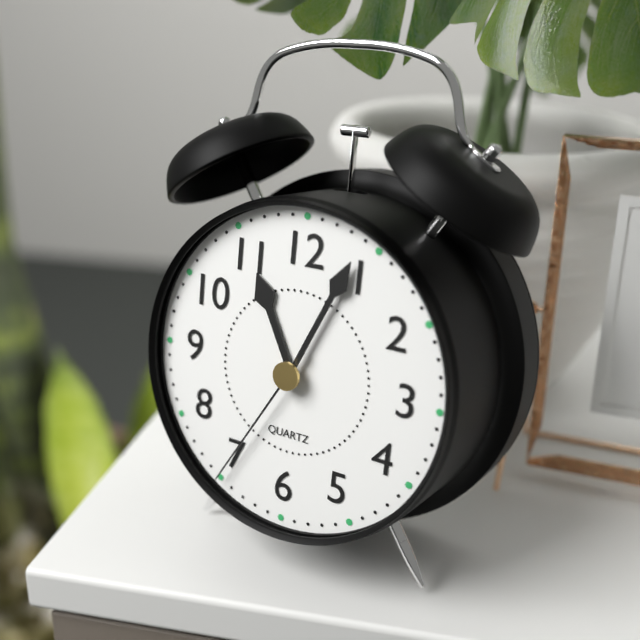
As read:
{"hour": 11, "minute": 4, "second": 35}
